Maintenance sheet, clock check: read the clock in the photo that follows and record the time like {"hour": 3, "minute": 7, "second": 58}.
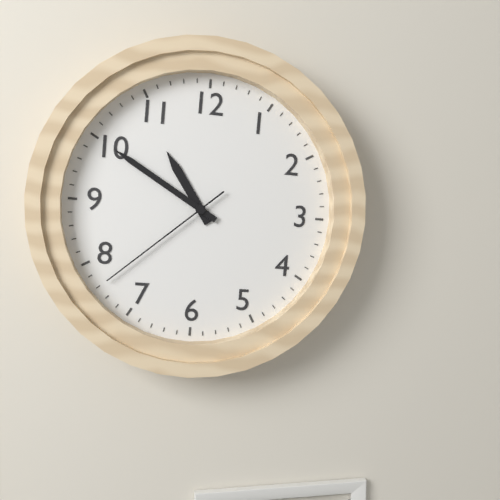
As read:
{"hour": 10, "minute": 50, "second": 38}
